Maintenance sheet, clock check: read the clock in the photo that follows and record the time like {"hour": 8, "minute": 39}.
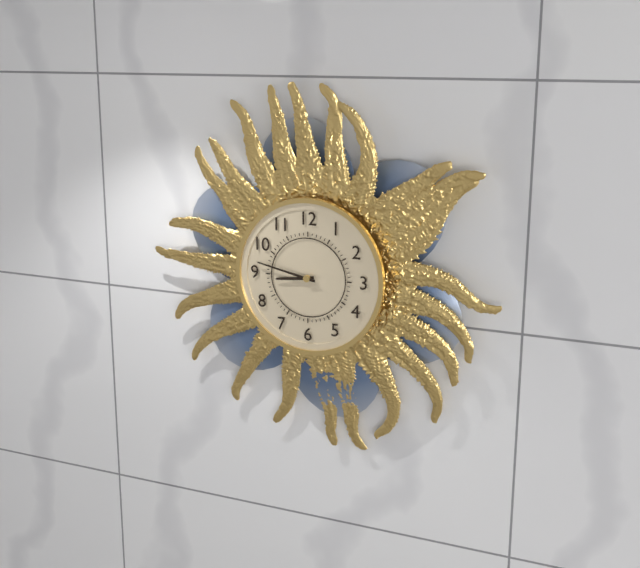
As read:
{"hour": 8, "minute": 47}
